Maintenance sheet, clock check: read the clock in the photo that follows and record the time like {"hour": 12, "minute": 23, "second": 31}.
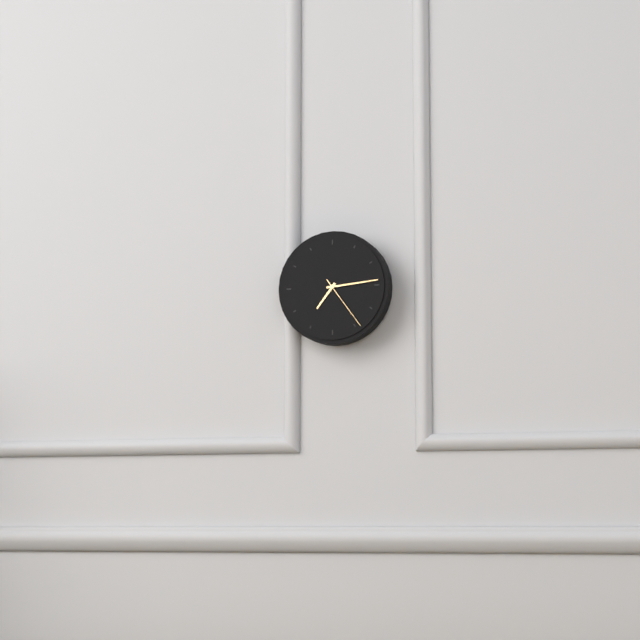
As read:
{"hour": 7, "minute": 14, "second": 24}
